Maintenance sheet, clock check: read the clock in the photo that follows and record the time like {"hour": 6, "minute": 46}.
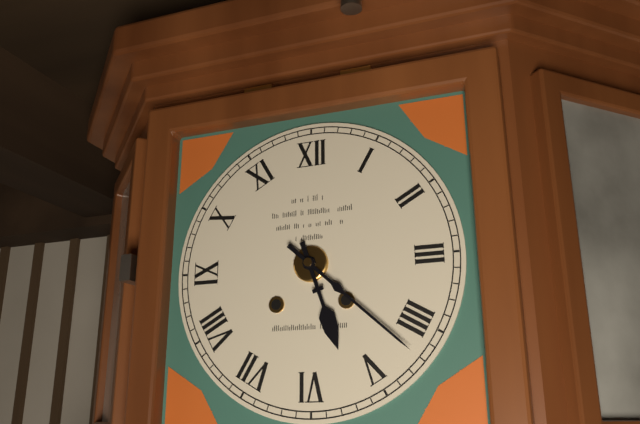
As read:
{"hour": 5, "minute": 22}
